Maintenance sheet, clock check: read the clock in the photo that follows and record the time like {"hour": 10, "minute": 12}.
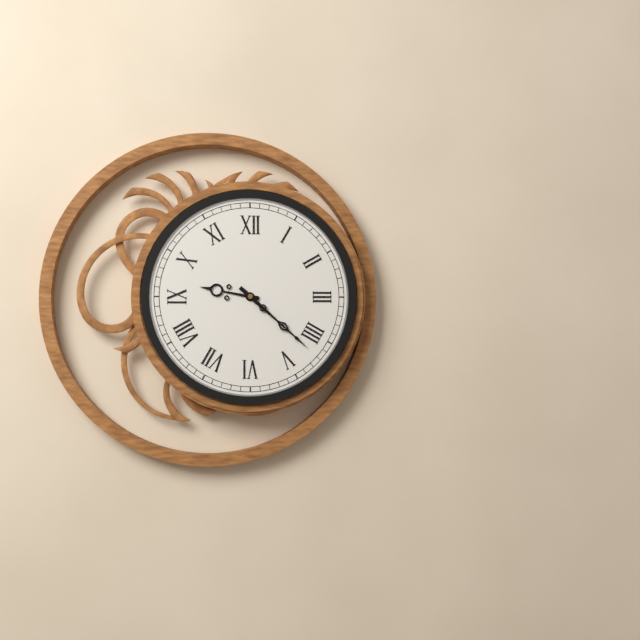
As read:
{"hour": 9, "minute": 22}
